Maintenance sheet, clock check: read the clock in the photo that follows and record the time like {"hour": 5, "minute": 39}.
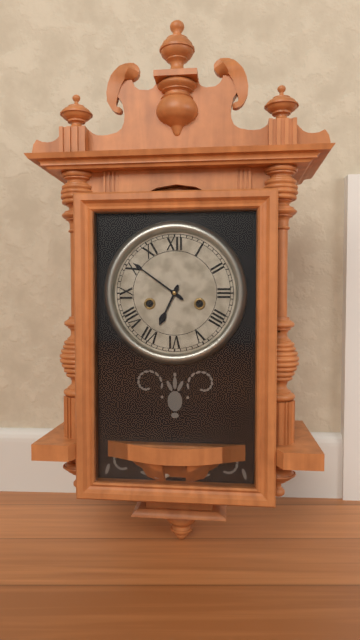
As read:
{"hour": 6, "minute": 51}
